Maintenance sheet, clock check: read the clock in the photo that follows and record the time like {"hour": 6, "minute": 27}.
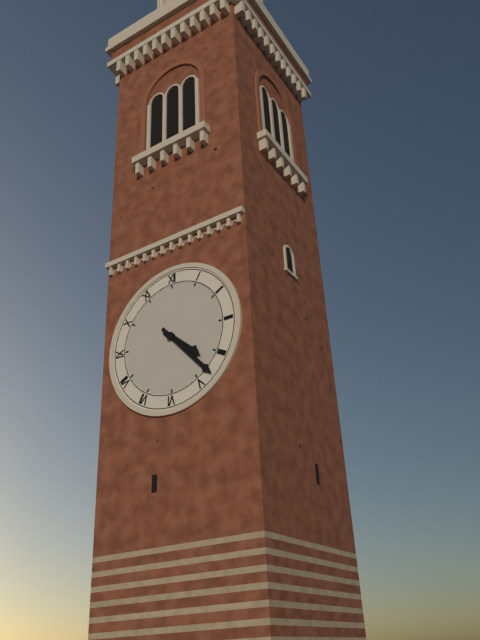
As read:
{"hour": 4, "minute": 23}
